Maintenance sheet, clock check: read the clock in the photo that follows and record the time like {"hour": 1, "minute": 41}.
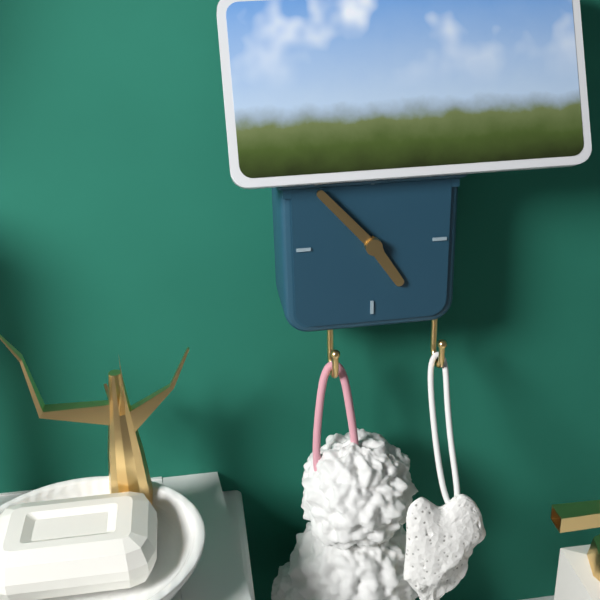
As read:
{"hour": 4, "minute": 53}
